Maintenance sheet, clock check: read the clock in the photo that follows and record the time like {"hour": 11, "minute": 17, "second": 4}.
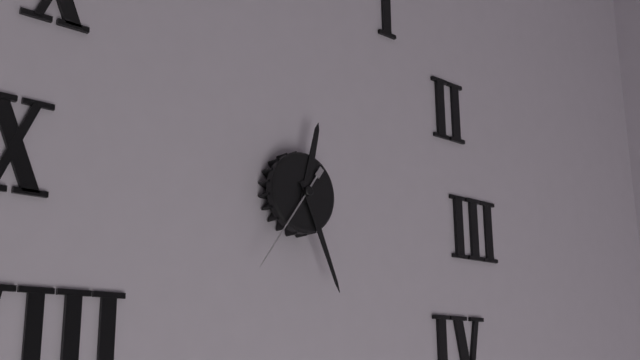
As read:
{"hour": 12, "minute": 26, "second": 36}
